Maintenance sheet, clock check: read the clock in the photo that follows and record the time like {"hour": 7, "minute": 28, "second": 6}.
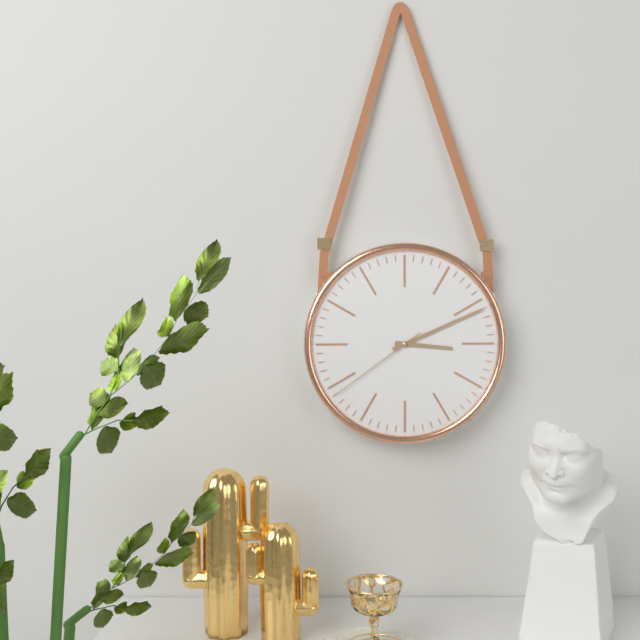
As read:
{"hour": 3, "minute": 11, "second": 39}
